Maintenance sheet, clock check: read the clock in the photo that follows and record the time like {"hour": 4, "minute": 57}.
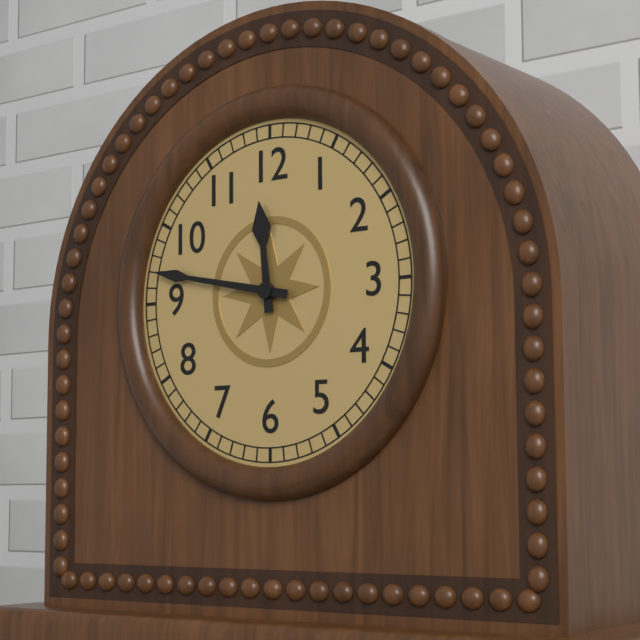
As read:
{"hour": 11, "minute": 47}
